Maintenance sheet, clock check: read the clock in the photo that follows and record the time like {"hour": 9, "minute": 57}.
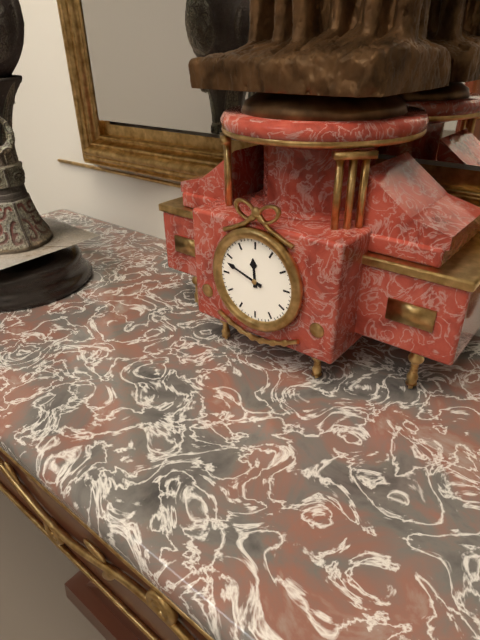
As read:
{"hour": 11, "minute": 48}
